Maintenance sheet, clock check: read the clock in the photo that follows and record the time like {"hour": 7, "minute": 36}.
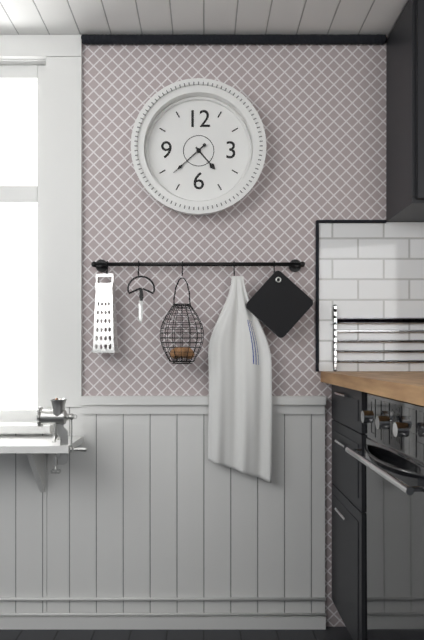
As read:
{"hour": 4, "minute": 38}
